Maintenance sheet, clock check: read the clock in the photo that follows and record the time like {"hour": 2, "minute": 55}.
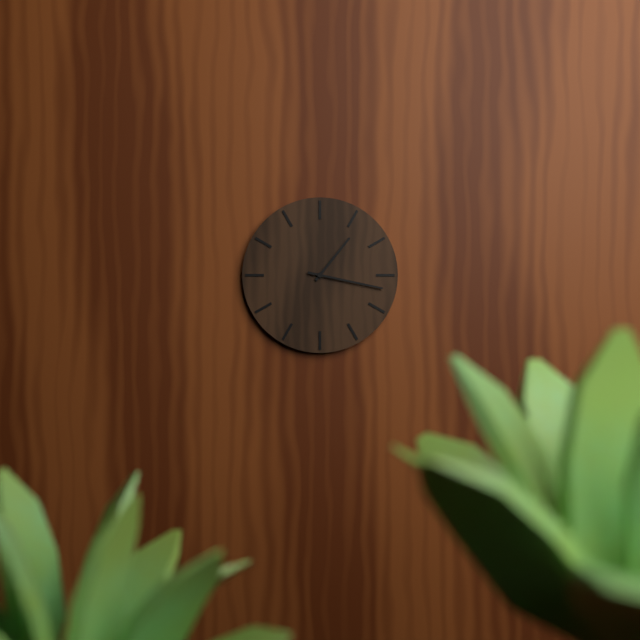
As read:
{"hour": 1, "minute": 17}
